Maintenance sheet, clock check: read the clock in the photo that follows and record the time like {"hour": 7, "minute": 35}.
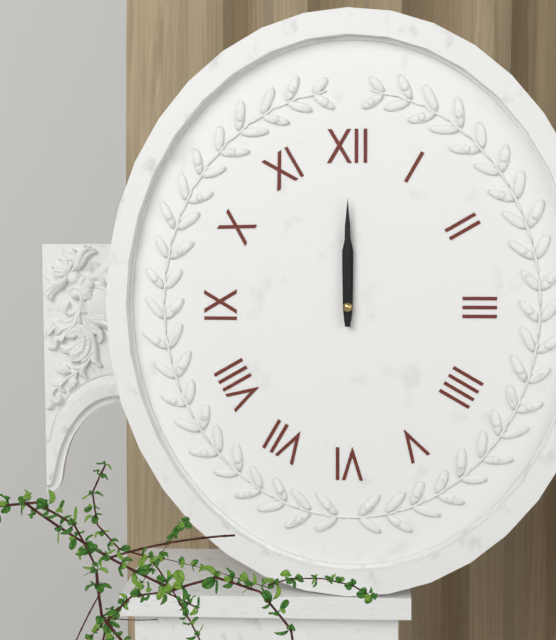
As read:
{"hour": 12, "minute": 0}
